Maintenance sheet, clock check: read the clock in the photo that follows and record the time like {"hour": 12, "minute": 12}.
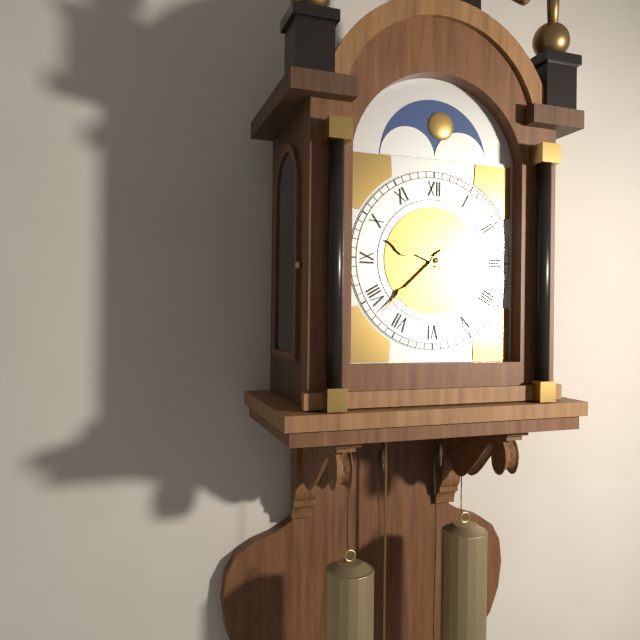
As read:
{"hour": 9, "minute": 38}
